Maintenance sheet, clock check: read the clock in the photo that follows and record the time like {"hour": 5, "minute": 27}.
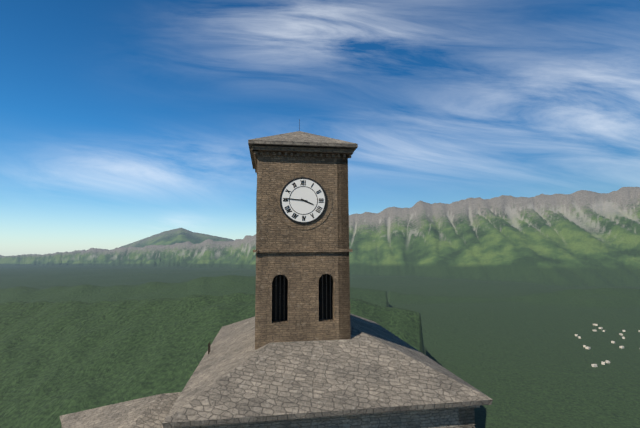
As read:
{"hour": 3, "minute": 46}
